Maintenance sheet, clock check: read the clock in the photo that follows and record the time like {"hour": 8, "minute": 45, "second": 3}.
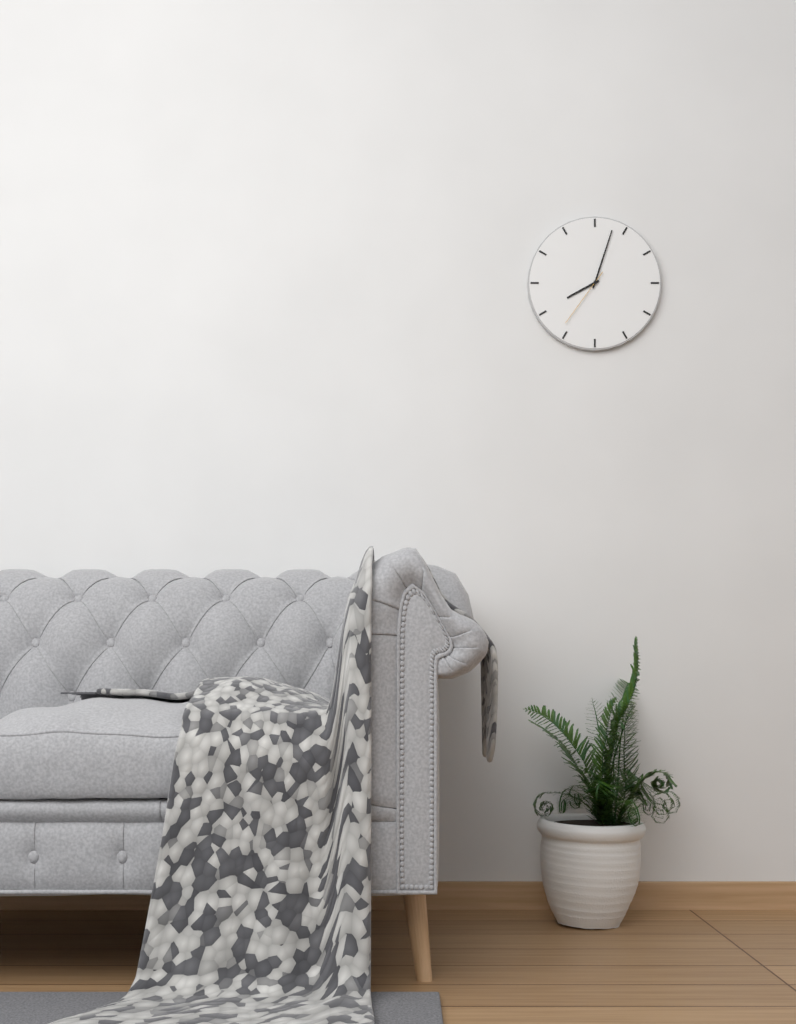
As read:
{"hour": 8, "minute": 3, "second": 36}
